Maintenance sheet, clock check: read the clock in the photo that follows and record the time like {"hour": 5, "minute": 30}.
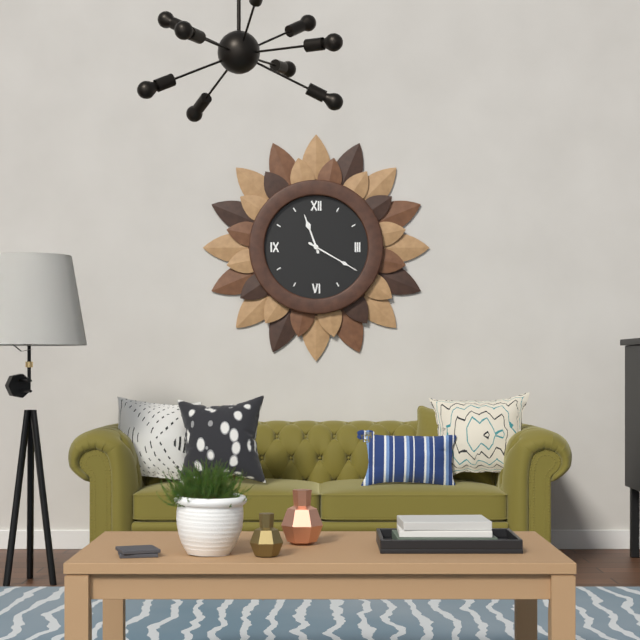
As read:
{"hour": 11, "minute": 20}
